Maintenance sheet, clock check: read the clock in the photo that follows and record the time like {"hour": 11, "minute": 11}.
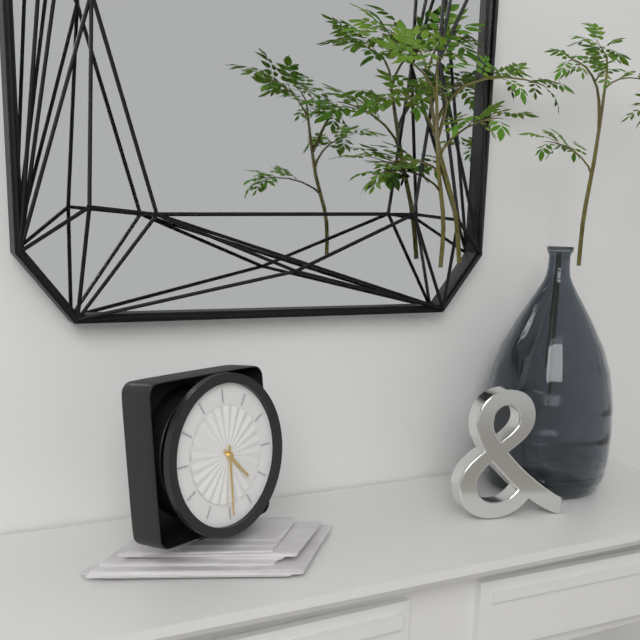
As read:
{"hour": 4, "minute": 30}
